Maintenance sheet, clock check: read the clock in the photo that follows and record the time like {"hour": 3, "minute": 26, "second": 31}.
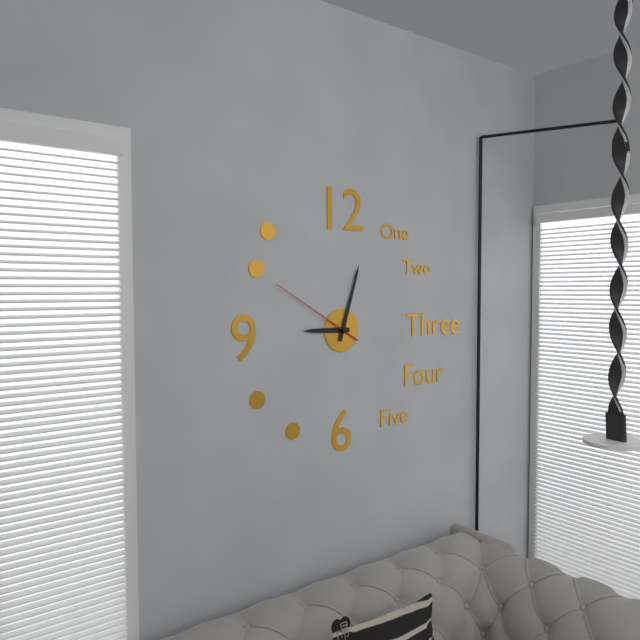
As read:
{"hour": 9, "minute": 3, "second": 50}
